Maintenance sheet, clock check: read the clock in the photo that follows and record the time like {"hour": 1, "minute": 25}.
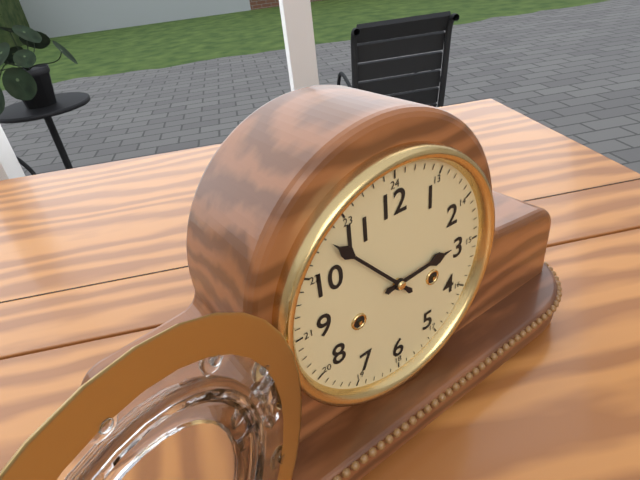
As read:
{"hour": 2, "minute": 53}
